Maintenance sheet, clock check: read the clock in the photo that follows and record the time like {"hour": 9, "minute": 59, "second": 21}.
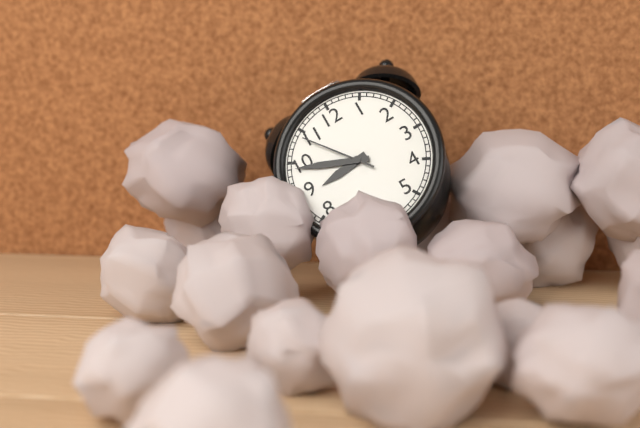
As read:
{"hour": 8, "minute": 49, "second": 54}
